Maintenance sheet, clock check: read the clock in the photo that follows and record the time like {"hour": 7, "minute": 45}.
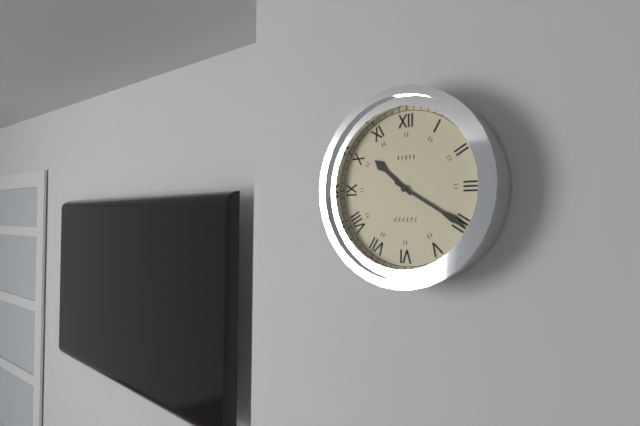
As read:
{"hour": 10, "minute": 20}
